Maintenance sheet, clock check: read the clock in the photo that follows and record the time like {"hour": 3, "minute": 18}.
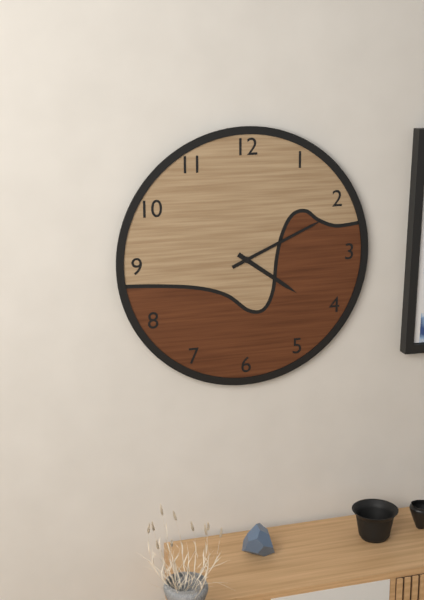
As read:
{"hour": 4, "minute": 11}
